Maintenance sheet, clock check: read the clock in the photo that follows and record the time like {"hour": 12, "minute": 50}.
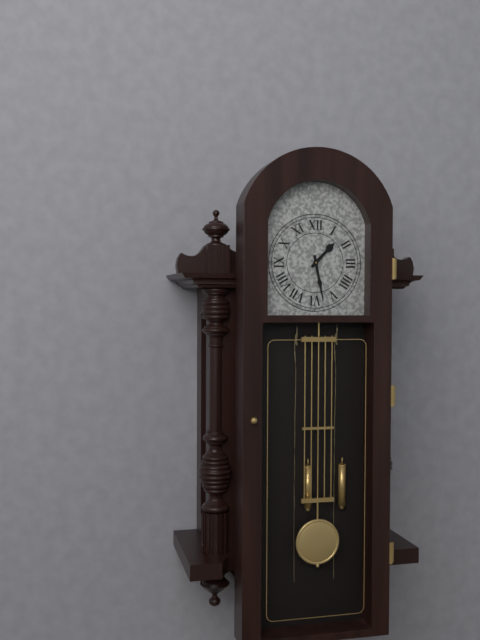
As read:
{"hour": 1, "minute": 28}
